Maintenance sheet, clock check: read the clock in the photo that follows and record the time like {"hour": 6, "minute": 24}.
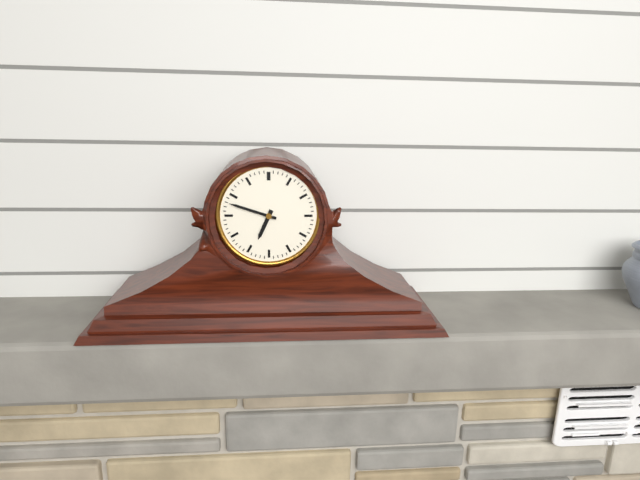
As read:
{"hour": 6, "minute": 48}
